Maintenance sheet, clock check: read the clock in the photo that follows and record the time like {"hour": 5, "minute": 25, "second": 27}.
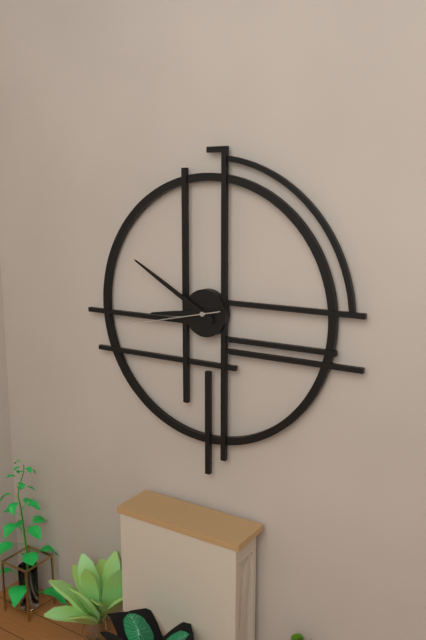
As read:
{"hour": 8, "minute": 50, "second": 43}
